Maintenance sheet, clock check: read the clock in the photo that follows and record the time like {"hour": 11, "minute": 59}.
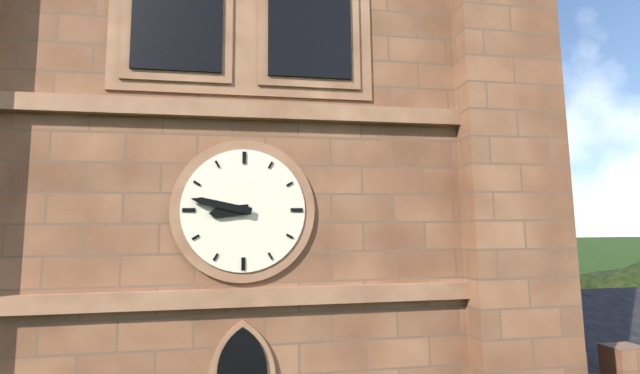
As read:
{"hour": 8, "minute": 47}
